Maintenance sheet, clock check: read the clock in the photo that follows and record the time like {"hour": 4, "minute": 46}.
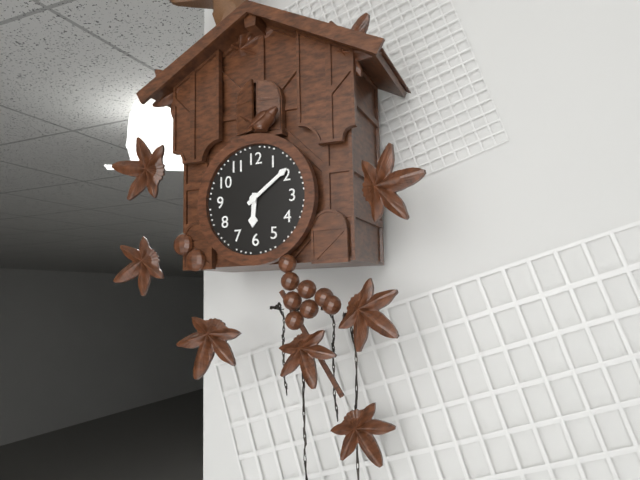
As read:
{"hour": 6, "minute": 9}
